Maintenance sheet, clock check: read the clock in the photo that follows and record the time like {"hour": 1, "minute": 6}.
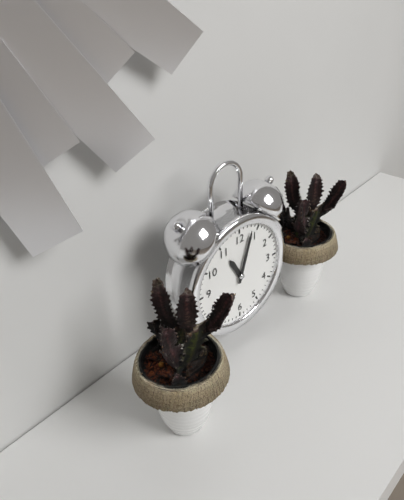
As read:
{"hour": 11, "minute": 3}
